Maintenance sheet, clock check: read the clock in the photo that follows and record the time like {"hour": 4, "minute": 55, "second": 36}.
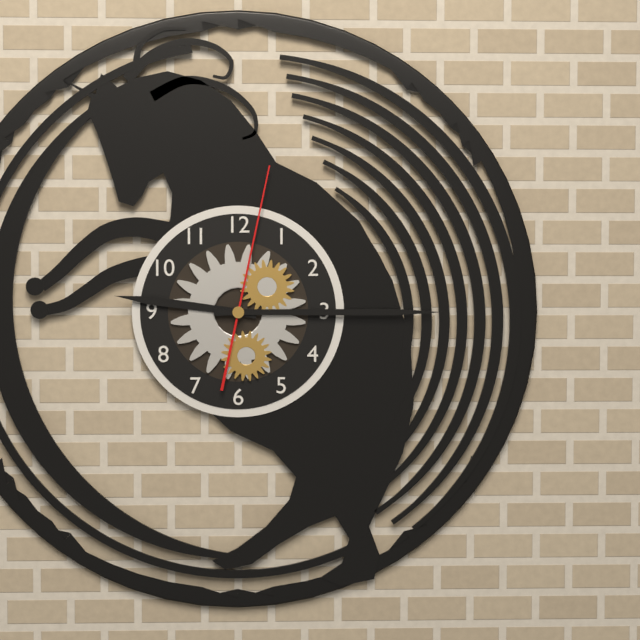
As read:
{"hour": 9, "minute": 15, "second": 2}
